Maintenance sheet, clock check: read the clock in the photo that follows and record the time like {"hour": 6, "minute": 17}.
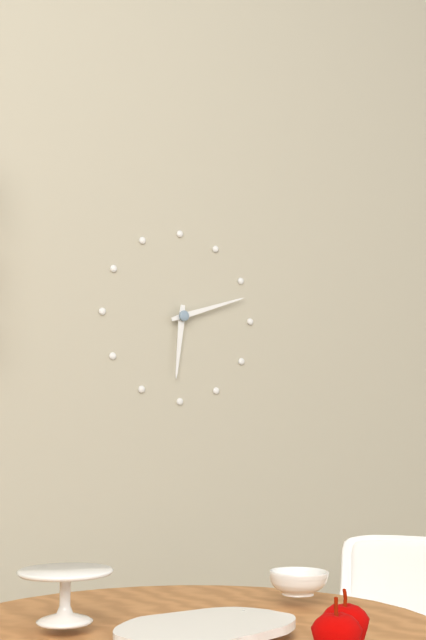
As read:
{"hour": 6, "minute": 12}
